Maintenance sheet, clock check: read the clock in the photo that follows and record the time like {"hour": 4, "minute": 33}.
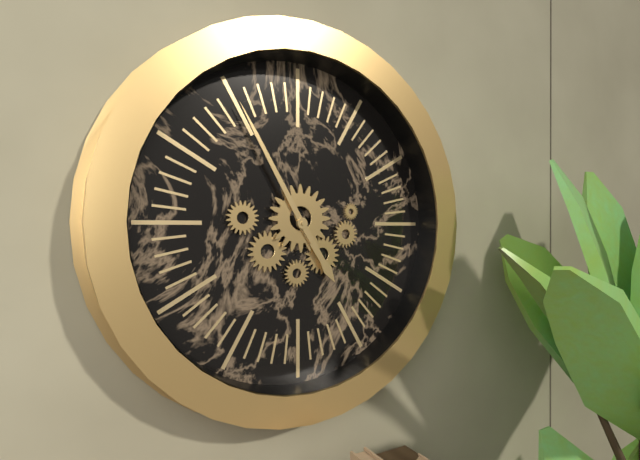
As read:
{"hour": 4, "minute": 55}
